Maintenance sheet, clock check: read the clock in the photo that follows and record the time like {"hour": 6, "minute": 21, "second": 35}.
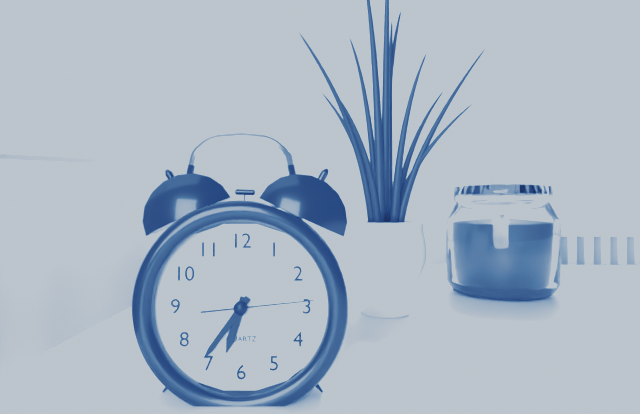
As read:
{"hour": 6, "minute": 36, "second": 14}
